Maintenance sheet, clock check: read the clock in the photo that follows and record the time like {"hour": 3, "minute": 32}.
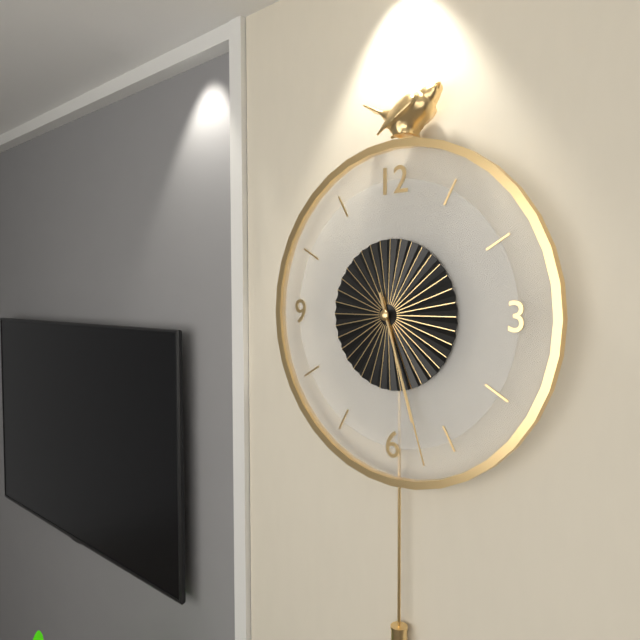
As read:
{"hour": 5, "minute": 27}
